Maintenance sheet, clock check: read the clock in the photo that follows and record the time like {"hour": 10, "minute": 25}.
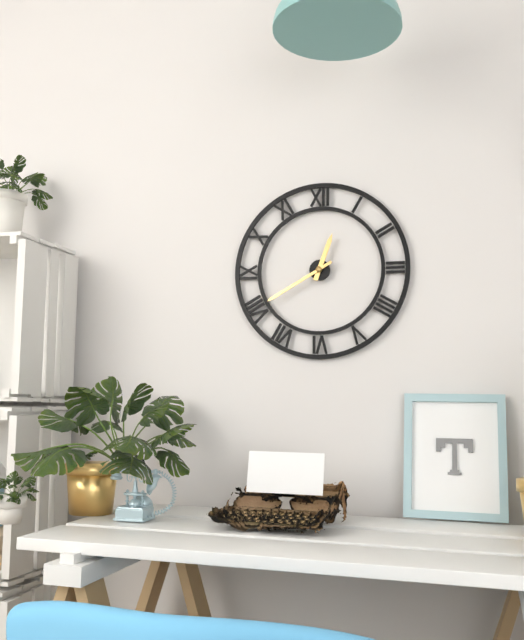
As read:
{"hour": 12, "minute": 40}
